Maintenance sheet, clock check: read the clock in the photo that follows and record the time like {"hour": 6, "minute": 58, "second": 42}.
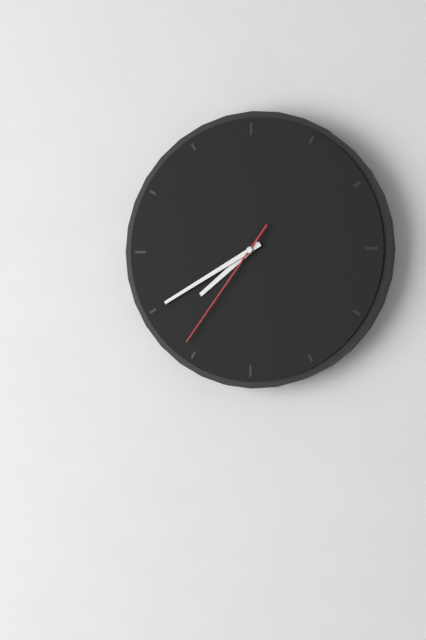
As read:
{"hour": 7, "minute": 40, "second": 36}
